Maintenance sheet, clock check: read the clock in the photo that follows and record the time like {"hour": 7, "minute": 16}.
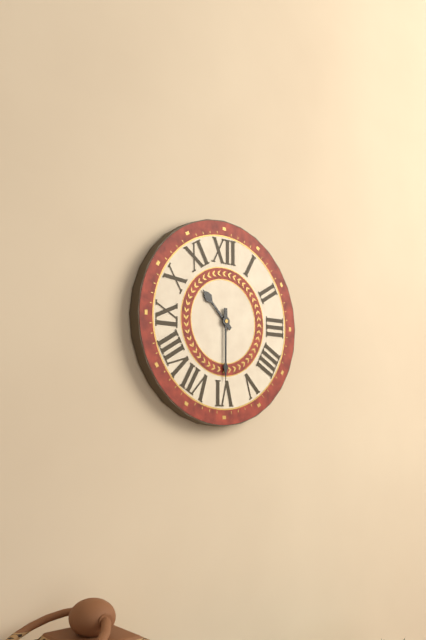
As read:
{"hour": 10, "minute": 30}
